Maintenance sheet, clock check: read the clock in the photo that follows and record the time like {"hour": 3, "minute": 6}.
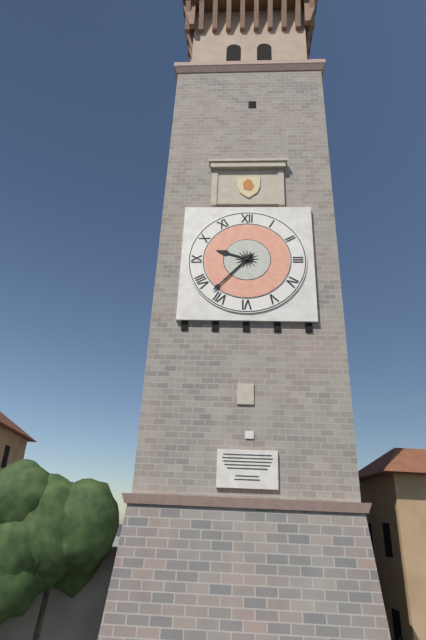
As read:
{"hour": 9, "minute": 37}
